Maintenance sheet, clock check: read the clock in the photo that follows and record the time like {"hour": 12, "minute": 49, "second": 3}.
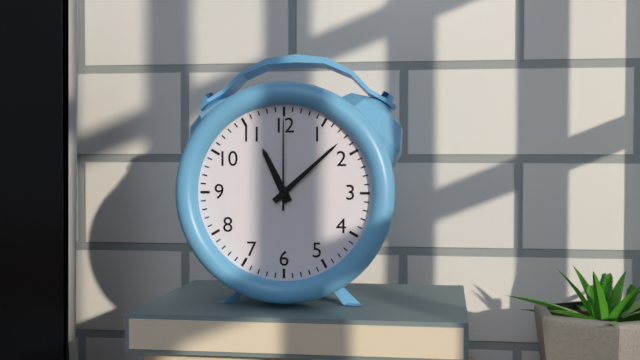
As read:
{"hour": 11, "minute": 8, "second": 0}
